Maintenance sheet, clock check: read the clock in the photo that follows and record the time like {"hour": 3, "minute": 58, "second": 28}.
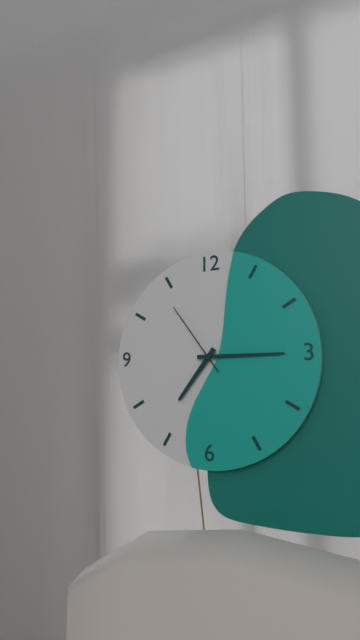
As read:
{"hour": 7, "minute": 15, "second": 54}
